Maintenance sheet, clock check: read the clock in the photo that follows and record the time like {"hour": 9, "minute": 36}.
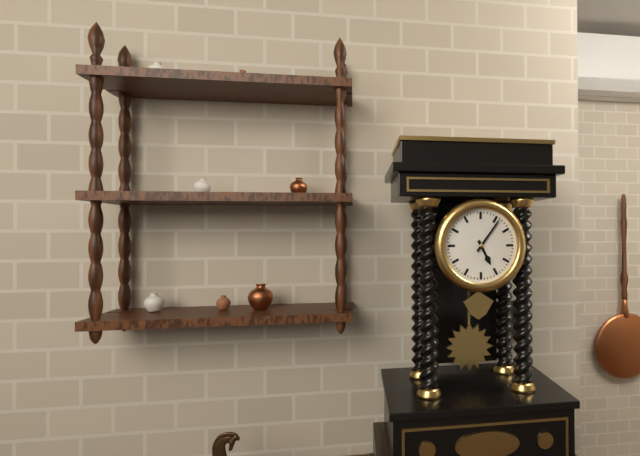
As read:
{"hour": 5, "minute": 6}
